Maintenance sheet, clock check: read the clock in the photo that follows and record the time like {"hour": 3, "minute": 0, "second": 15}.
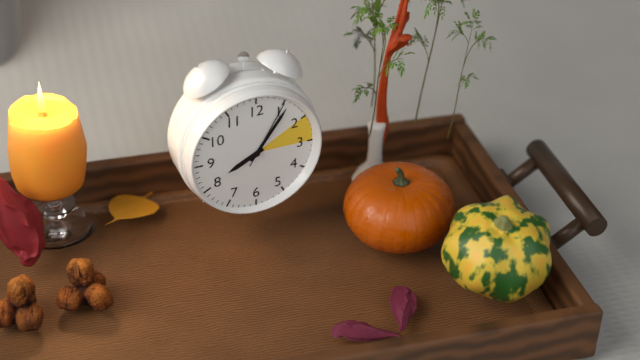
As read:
{"hour": 8, "minute": 6, "second": 5}
